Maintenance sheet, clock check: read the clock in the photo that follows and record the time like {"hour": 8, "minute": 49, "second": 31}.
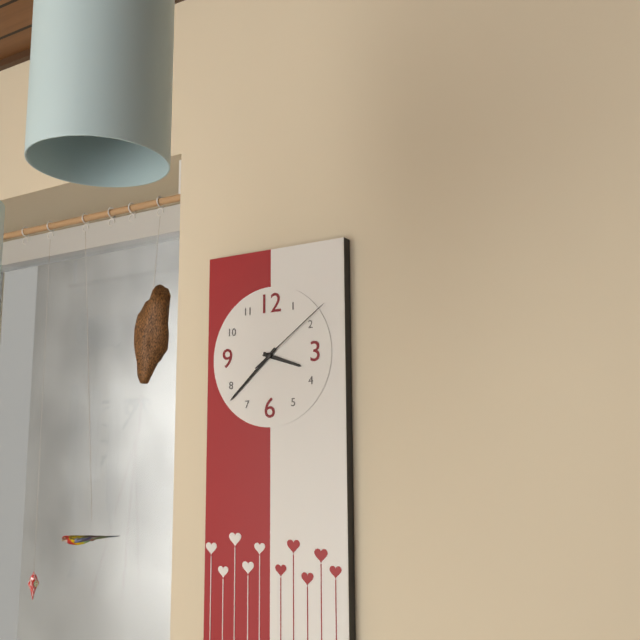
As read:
{"hour": 3, "minute": 38, "second": 9}
